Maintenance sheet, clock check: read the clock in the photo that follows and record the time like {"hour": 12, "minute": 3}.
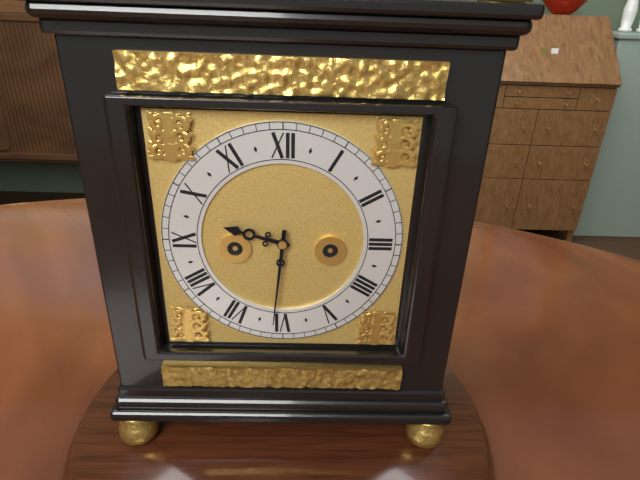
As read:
{"hour": 9, "minute": 31}
